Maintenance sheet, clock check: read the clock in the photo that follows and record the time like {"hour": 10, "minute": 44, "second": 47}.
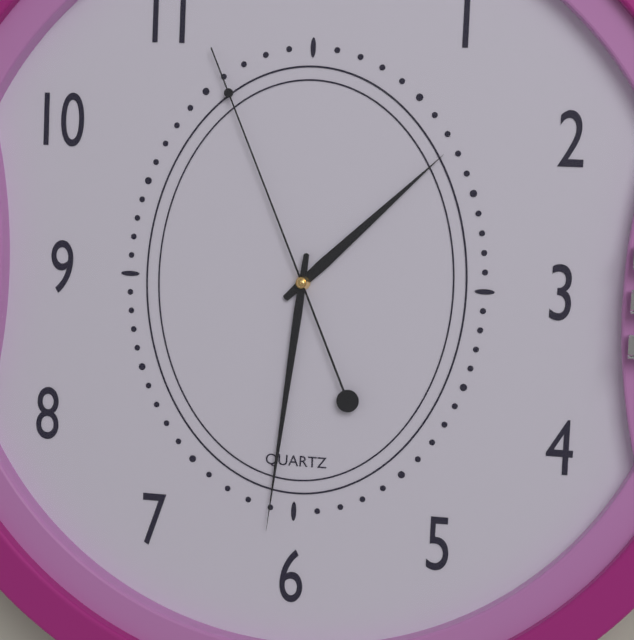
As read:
{"hour": 1, "minute": 31, "second": 56}
